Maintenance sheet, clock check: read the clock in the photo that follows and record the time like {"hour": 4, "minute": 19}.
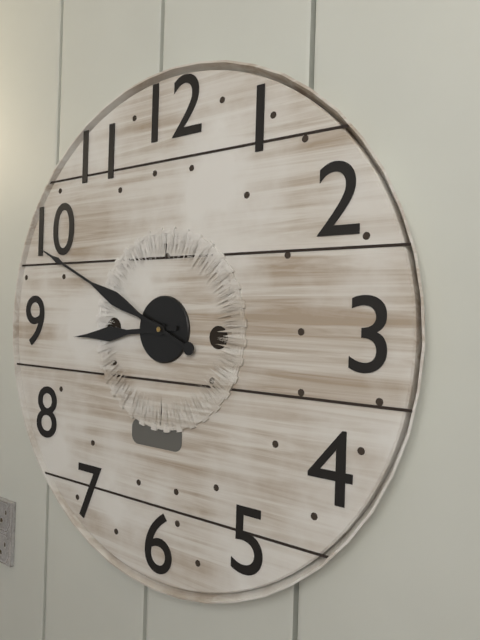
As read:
{"hour": 8, "minute": 49}
